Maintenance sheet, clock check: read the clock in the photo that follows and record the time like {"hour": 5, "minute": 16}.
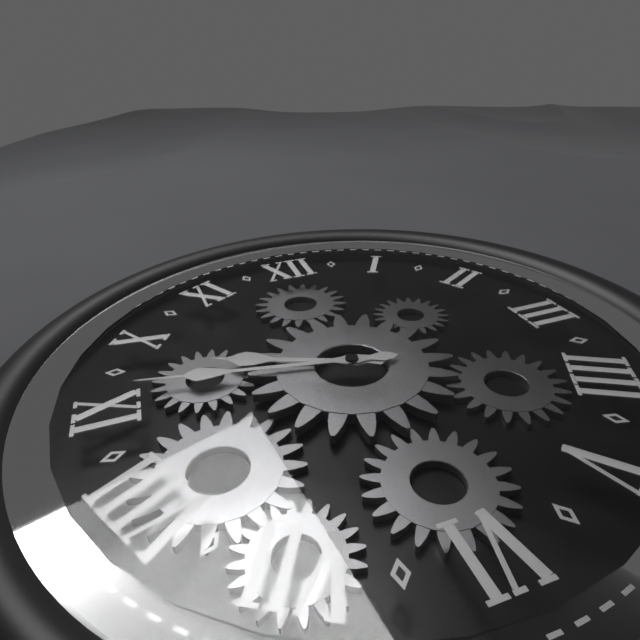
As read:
{"hour": 9, "minute": 47}
